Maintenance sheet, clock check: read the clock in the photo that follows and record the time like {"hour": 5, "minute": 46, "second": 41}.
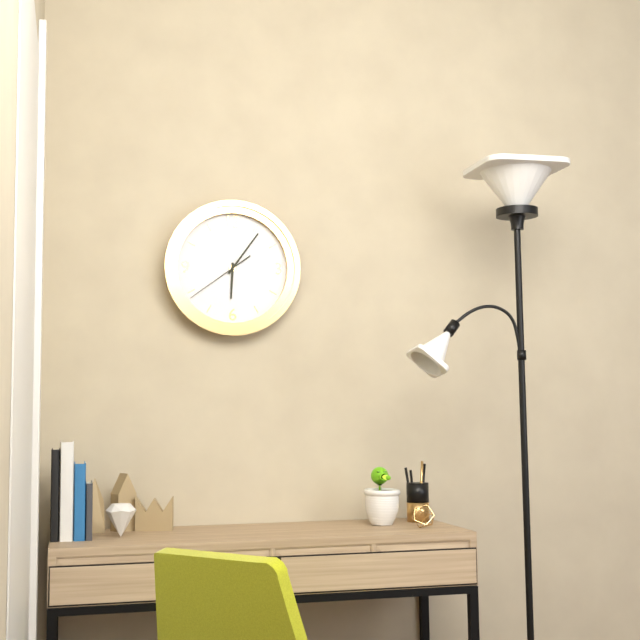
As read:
{"hour": 6, "minute": 6, "second": 39}
